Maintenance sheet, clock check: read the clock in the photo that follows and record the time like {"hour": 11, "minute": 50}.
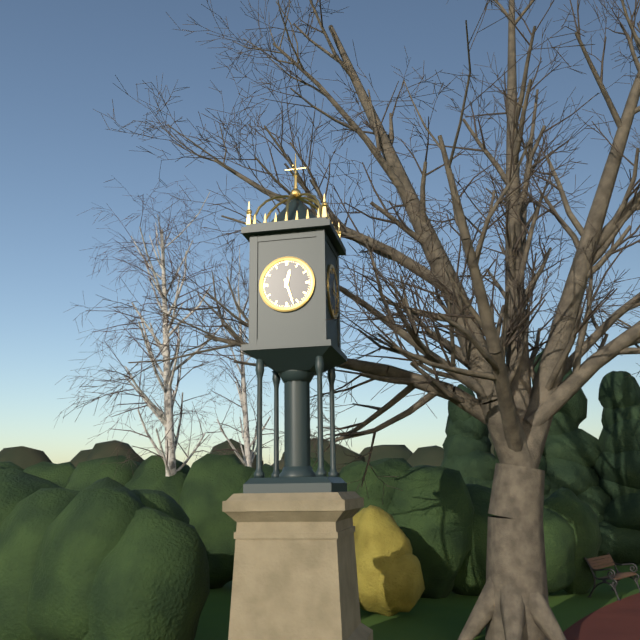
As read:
{"hour": 12, "minute": 27}
